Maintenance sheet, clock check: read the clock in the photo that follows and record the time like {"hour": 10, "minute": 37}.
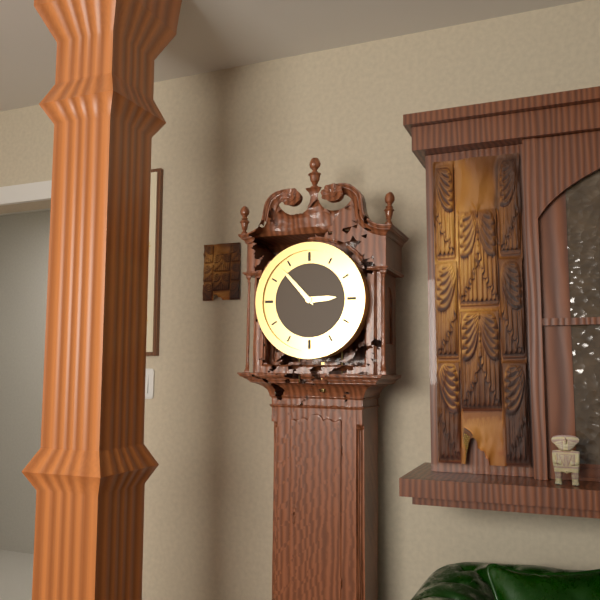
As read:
{"hour": 2, "minute": 53}
